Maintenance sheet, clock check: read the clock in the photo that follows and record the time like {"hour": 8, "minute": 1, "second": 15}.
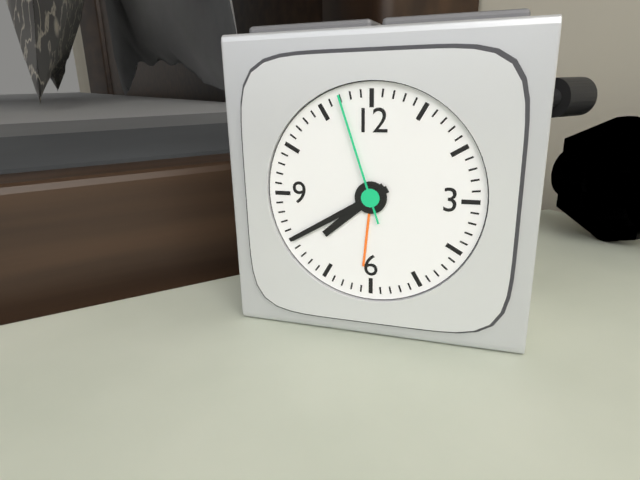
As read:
{"hour": 7, "minute": 40, "second": 57}
